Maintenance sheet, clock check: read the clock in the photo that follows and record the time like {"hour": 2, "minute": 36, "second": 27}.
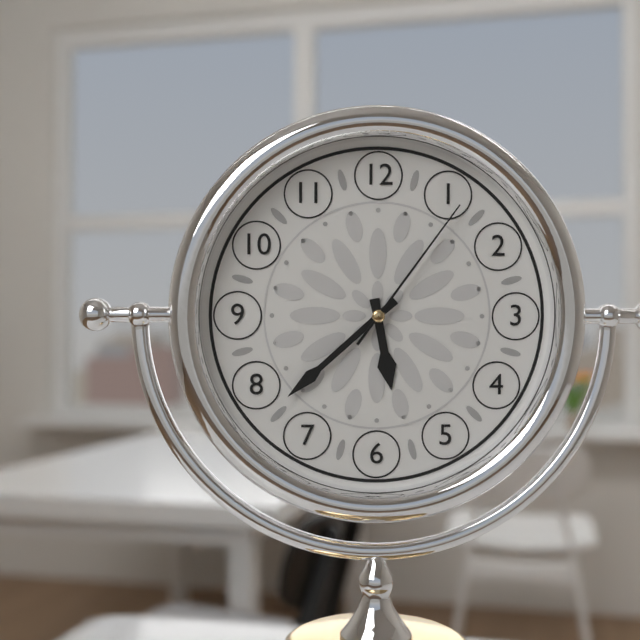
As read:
{"hour": 5, "minute": 38, "second": 6}
